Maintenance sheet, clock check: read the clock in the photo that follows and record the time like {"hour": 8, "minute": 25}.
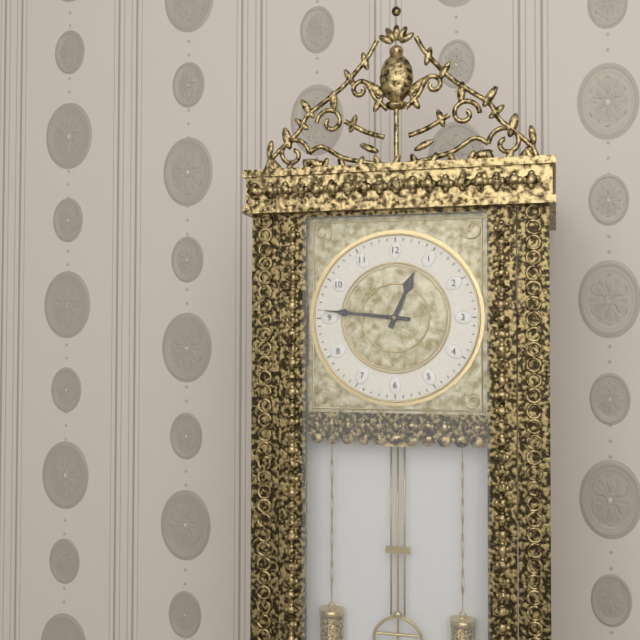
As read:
{"hour": 12, "minute": 46}
